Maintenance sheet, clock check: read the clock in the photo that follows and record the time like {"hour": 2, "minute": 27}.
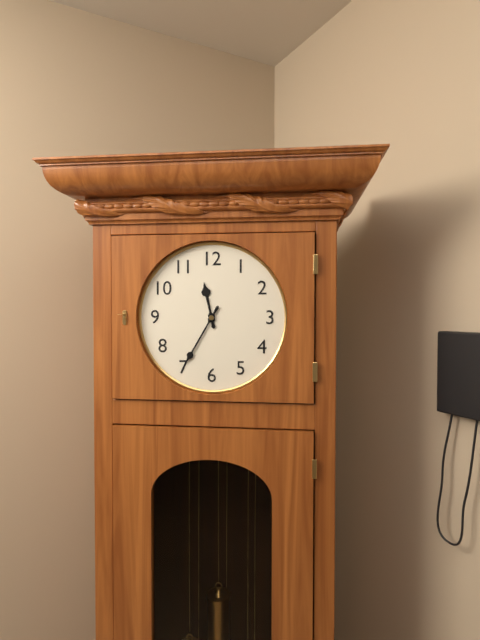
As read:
{"hour": 11, "minute": 35}
